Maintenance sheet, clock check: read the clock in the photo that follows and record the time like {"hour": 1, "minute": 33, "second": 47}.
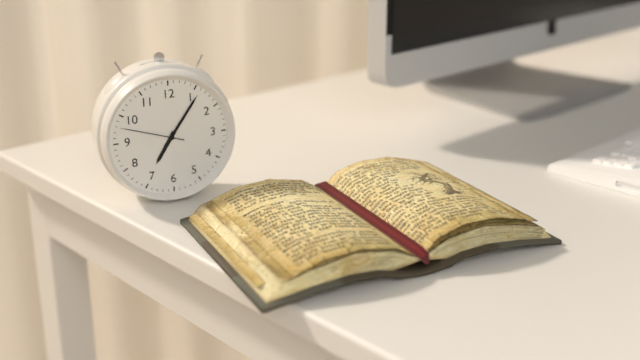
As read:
{"hour": 7, "minute": 6, "second": 48}
